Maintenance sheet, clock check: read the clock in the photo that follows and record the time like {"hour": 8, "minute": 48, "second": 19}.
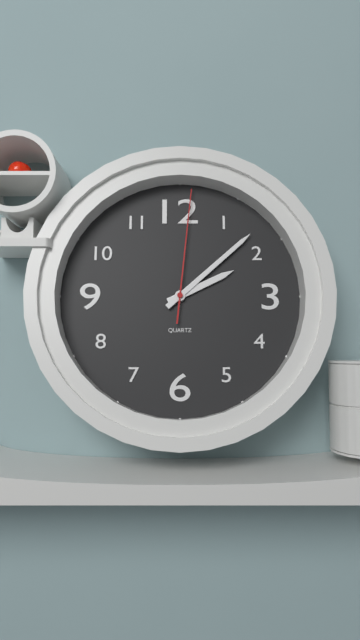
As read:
{"hour": 2, "minute": 8, "second": 1}
